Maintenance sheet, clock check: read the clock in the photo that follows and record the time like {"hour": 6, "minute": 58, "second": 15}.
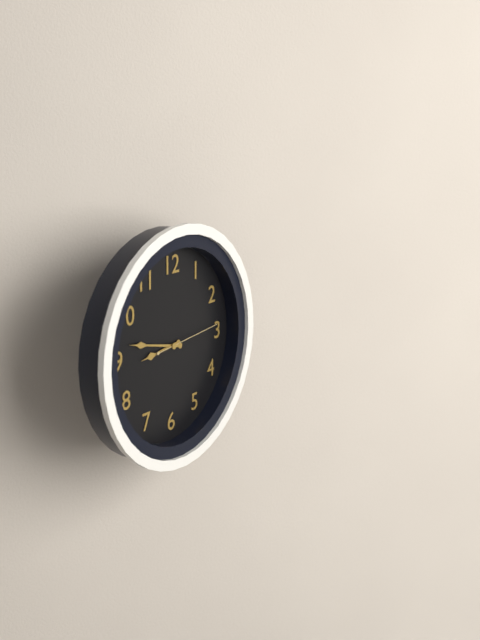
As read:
{"hour": 8, "minute": 47, "second": 14}
